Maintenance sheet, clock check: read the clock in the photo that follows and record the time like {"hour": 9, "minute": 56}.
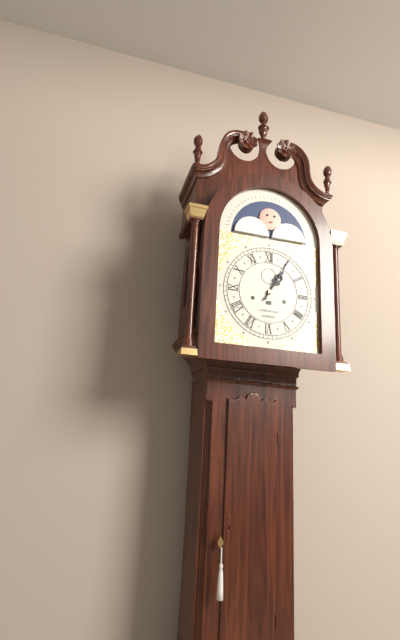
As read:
{"hour": 1, "minute": 5}
